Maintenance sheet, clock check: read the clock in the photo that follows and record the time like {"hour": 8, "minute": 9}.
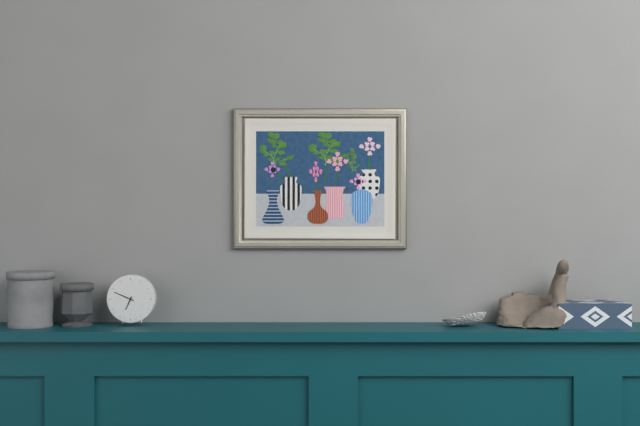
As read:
{"hour": 6, "minute": 49}
